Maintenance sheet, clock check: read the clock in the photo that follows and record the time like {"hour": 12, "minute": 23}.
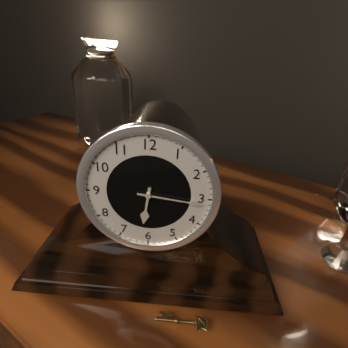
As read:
{"hour": 6, "minute": 16}
